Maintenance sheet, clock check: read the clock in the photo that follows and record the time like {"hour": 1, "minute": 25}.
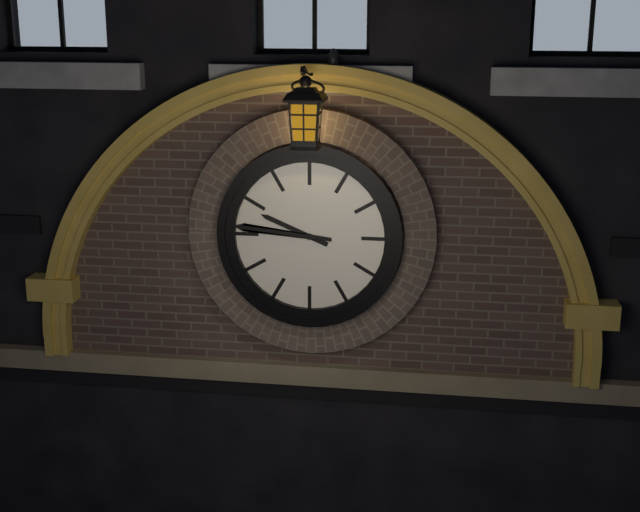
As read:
{"hour": 9, "minute": 46}
